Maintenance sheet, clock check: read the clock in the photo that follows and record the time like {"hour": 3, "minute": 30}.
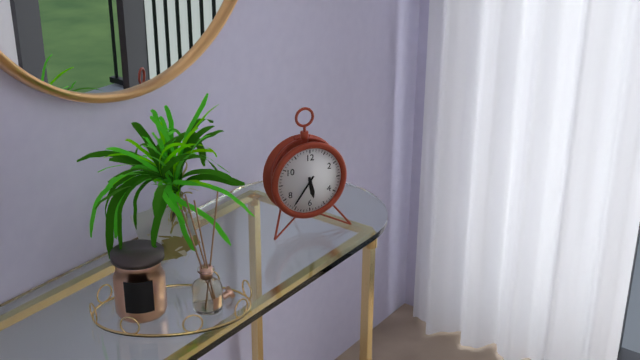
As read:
{"hour": 5, "minute": 36}
